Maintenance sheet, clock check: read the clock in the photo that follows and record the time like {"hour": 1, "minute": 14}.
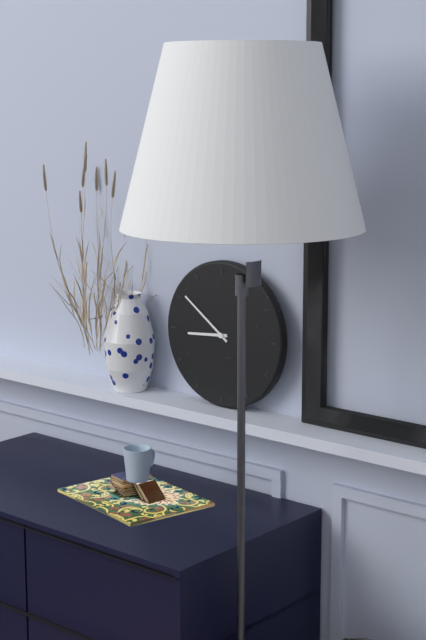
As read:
{"hour": 8, "minute": 51}
